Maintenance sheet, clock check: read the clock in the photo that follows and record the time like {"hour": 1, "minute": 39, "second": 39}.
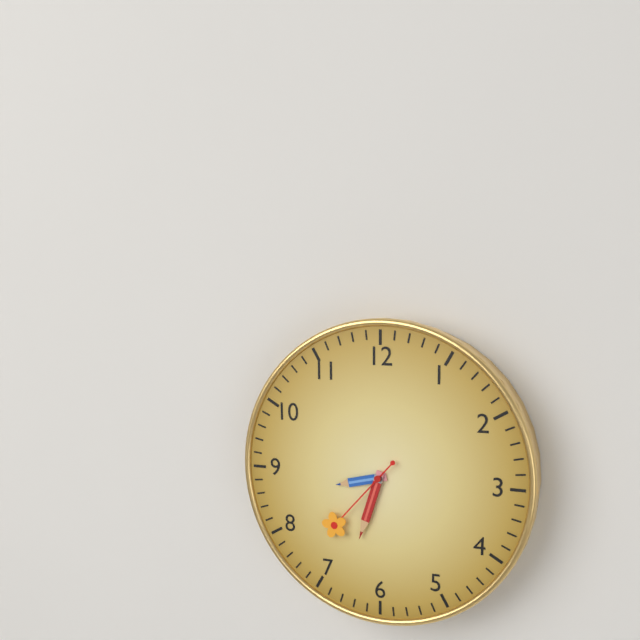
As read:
{"hour": 8, "minute": 33, "second": 37}
